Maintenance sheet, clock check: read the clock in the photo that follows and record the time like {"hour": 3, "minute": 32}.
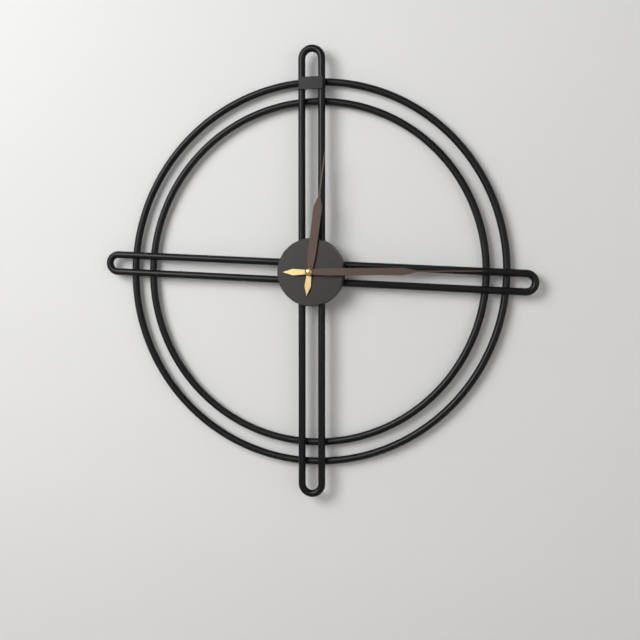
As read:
{"hour": 12, "minute": 15}
